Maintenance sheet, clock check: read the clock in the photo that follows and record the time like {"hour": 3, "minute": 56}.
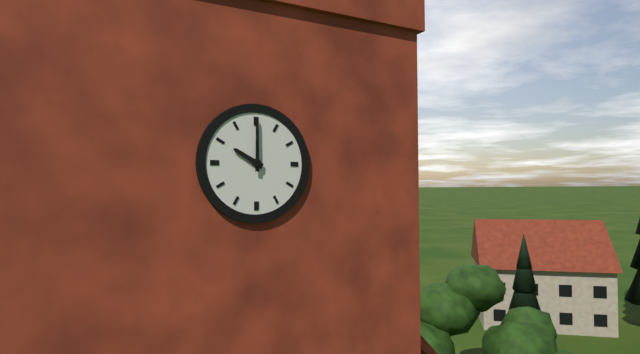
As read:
{"hour": 10, "minute": 0}
